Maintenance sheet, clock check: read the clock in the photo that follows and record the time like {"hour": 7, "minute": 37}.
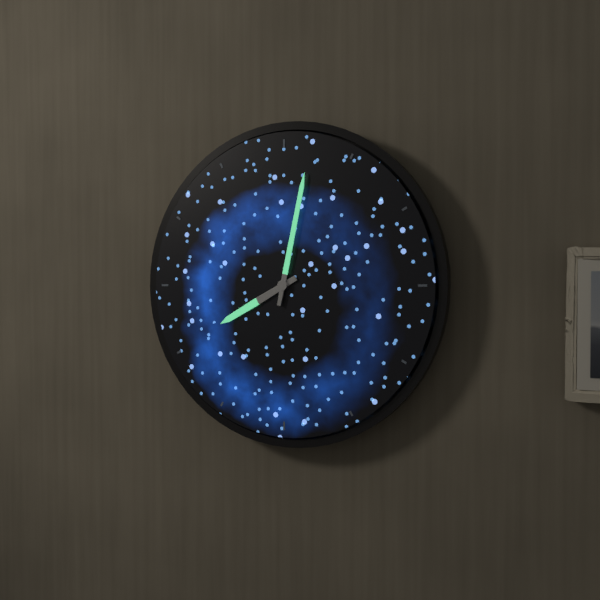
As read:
{"hour": 8, "minute": 2}
